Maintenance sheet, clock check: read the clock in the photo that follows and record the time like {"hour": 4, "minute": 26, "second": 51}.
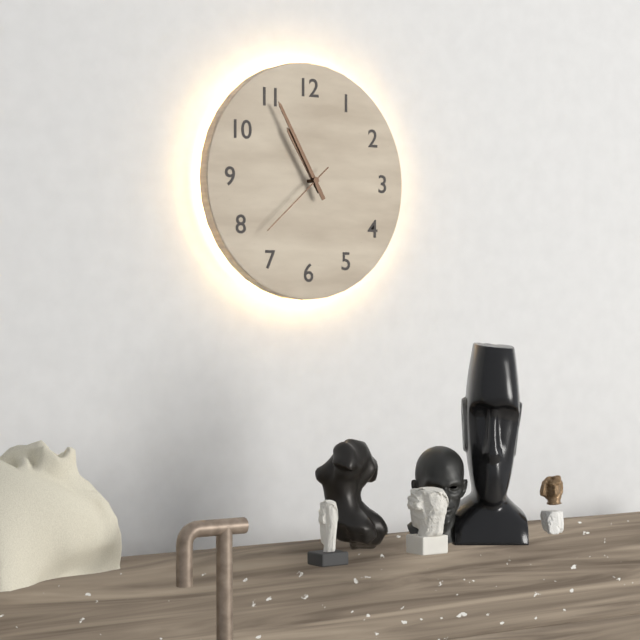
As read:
{"hour": 10, "minute": 55, "second": 38}
